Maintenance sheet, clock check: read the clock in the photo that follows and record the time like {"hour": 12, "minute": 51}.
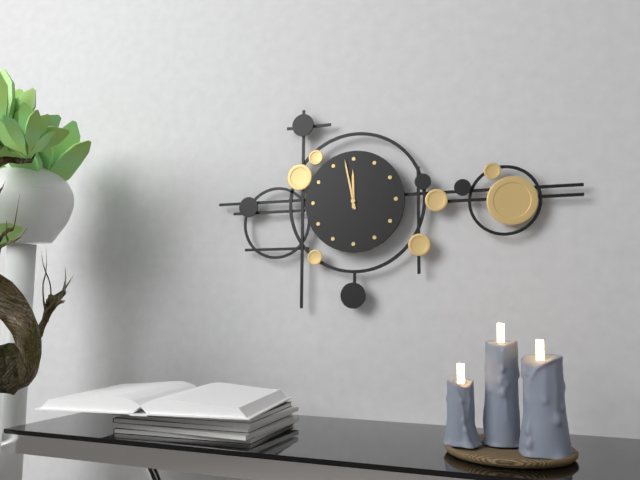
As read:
{"hour": 11, "minute": 58}
